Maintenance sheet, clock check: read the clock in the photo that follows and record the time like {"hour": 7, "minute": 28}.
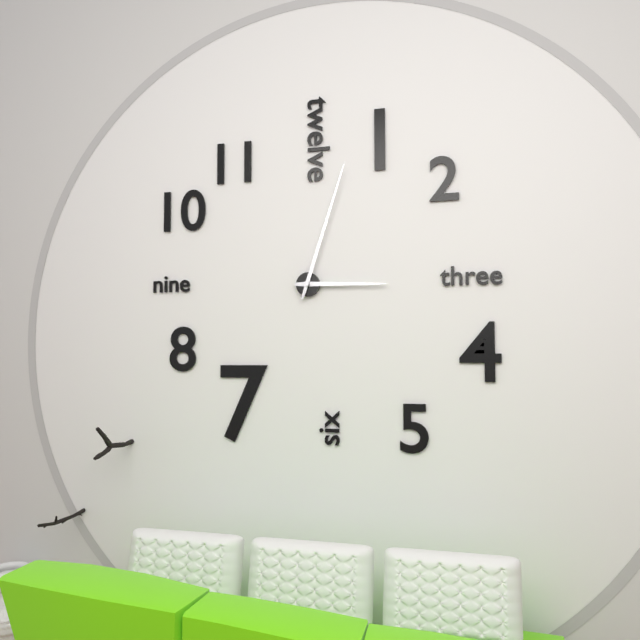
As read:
{"hour": 3, "minute": 3}
